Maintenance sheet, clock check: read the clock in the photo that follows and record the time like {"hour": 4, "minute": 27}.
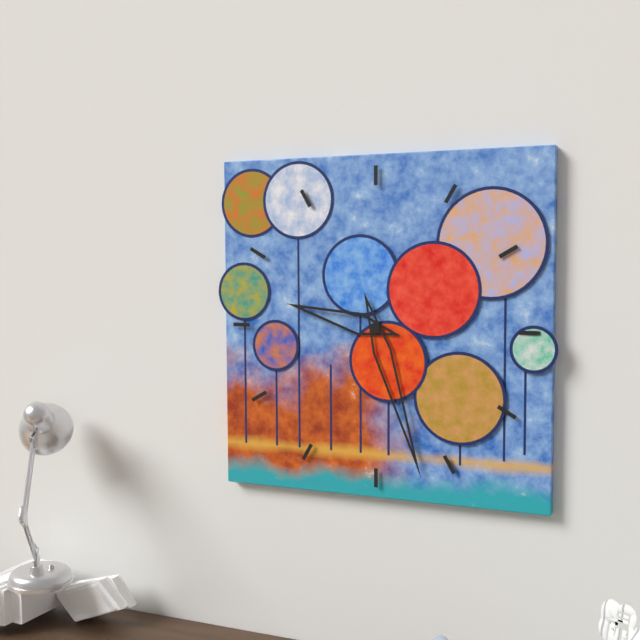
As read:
{"hour": 9, "minute": 27}
